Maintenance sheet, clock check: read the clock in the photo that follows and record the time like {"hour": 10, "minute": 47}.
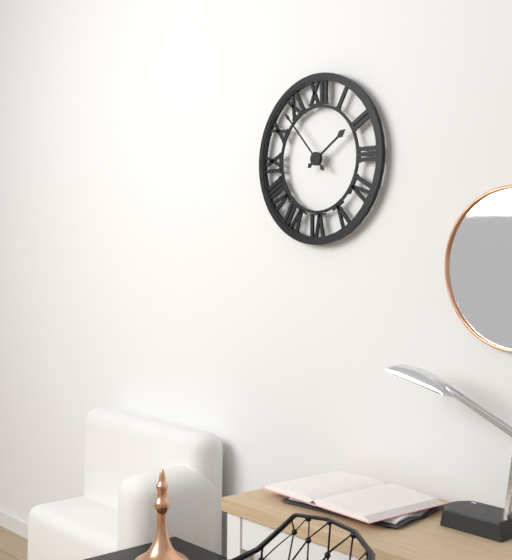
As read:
{"hour": 1, "minute": 53}
